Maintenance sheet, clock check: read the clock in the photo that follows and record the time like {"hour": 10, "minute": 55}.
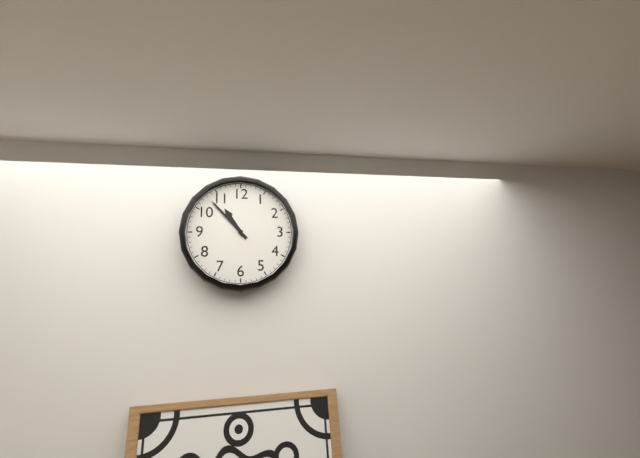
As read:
{"hour": 10, "minute": 53}
